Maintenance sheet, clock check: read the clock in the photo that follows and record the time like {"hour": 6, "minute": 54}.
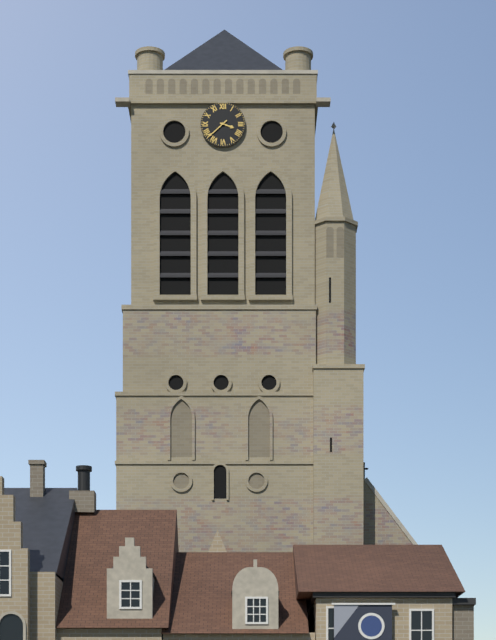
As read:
{"hour": 3, "minute": 38}
